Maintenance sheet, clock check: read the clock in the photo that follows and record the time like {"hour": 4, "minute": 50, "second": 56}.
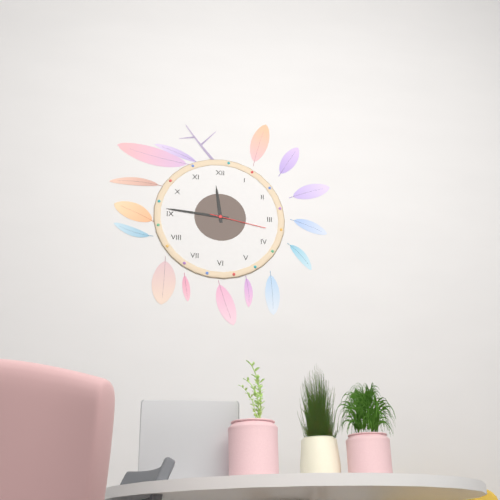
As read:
{"hour": 11, "minute": 46, "second": 17}
